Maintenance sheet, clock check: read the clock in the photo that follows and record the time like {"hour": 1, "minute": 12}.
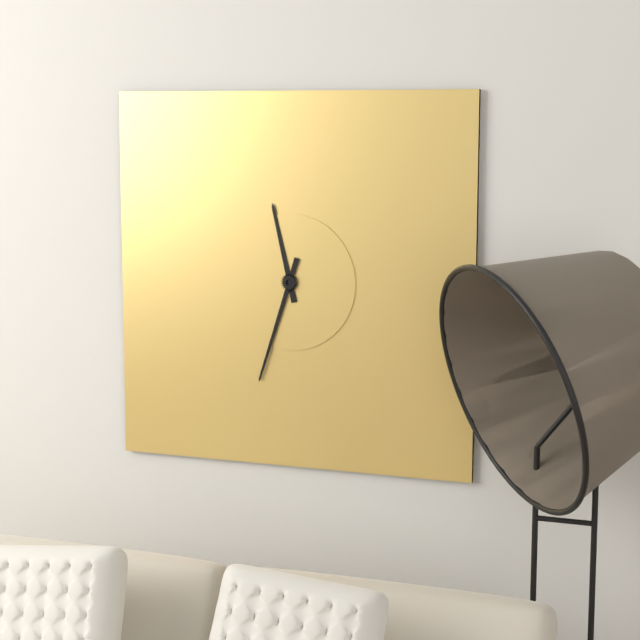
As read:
{"hour": 11, "minute": 33}
